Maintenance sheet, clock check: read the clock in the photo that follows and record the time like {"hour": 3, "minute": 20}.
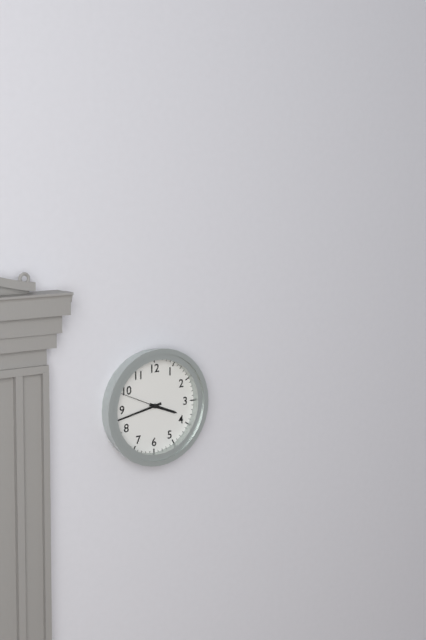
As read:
{"hour": 3, "minute": 43}
